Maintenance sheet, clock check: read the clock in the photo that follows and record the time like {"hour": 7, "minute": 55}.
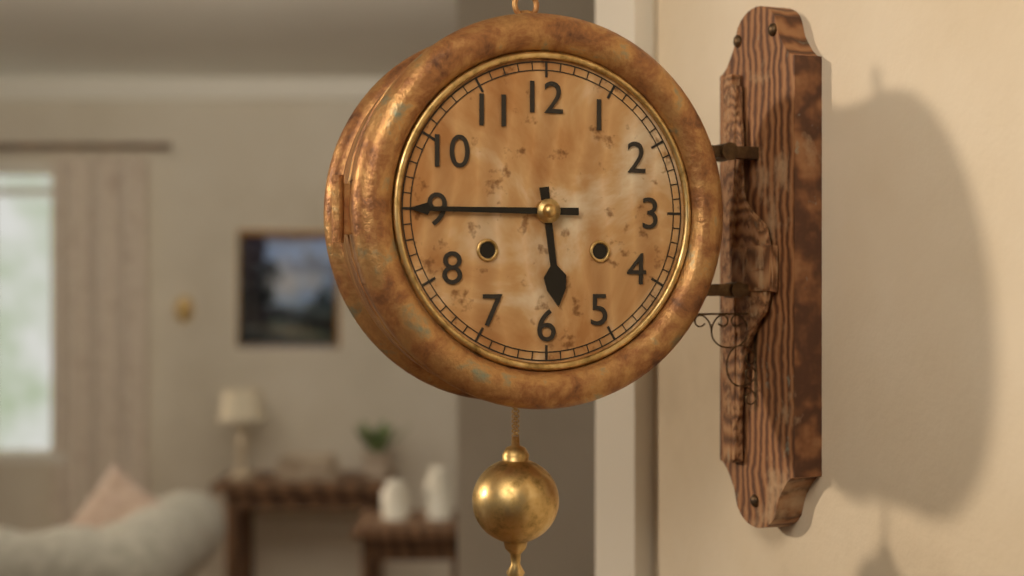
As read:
{"hour": 5, "minute": 45}
